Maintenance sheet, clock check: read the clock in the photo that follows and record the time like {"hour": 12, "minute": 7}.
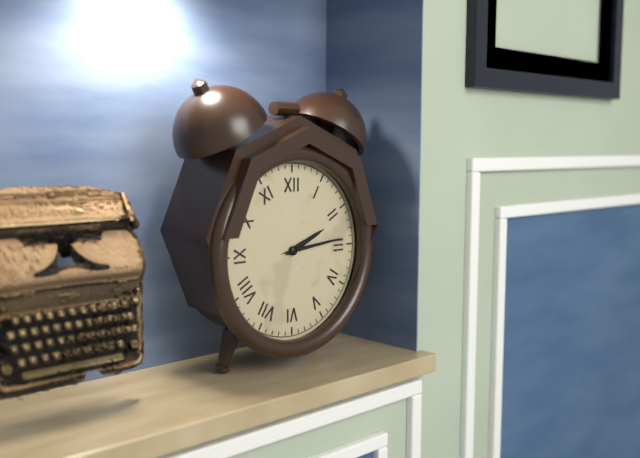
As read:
{"hour": 2, "minute": 14}
